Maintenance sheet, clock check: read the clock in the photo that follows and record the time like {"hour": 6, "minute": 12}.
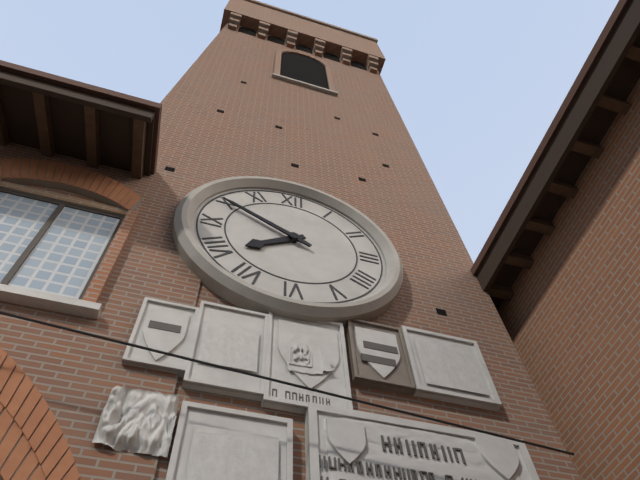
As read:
{"hour": 7, "minute": 50}
